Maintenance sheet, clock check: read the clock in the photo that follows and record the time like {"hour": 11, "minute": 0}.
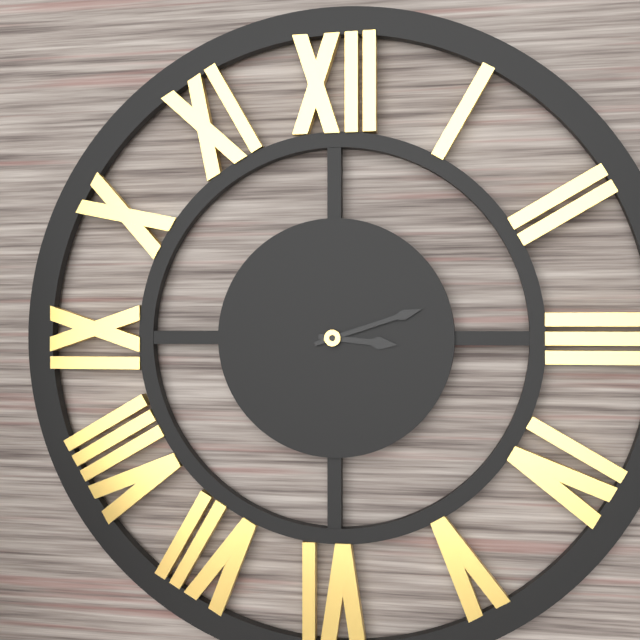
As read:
{"hour": 3, "minute": 12}
